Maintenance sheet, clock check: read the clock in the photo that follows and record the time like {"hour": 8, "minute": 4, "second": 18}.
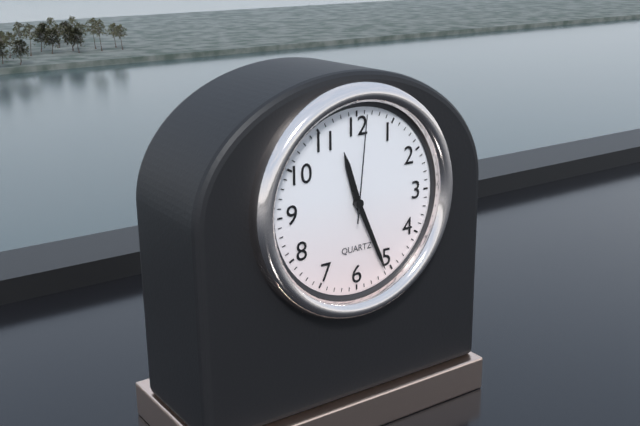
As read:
{"hour": 11, "minute": 26, "second": 1}
